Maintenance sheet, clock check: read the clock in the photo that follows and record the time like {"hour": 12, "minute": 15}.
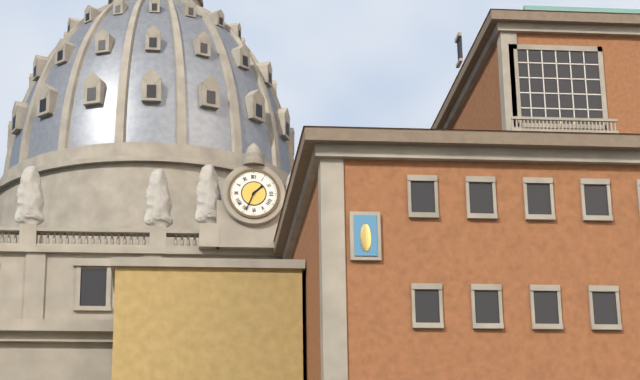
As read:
{"hour": 1, "minute": 34}
